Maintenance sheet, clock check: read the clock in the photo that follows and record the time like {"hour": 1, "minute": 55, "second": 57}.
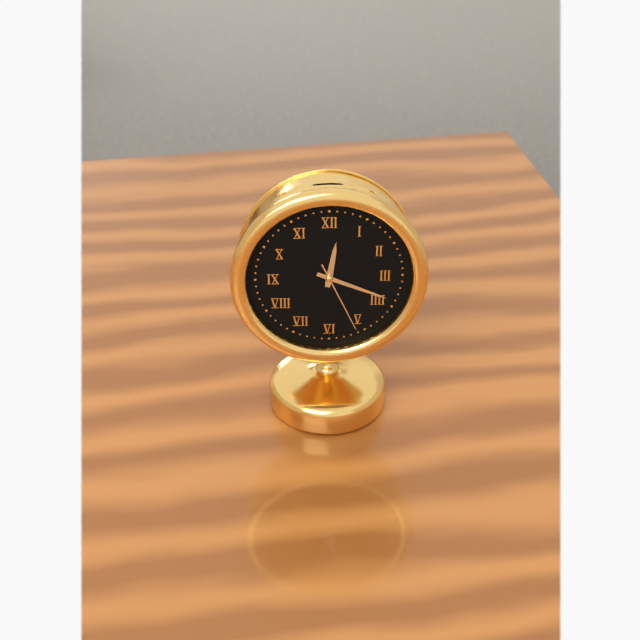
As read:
{"hour": 12, "minute": 19, "second": 26}
